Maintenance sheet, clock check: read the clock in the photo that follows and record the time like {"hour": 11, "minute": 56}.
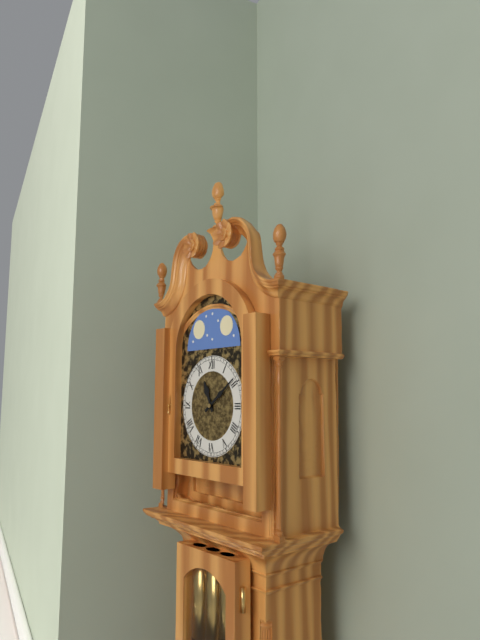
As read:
{"hour": 11, "minute": 9}
